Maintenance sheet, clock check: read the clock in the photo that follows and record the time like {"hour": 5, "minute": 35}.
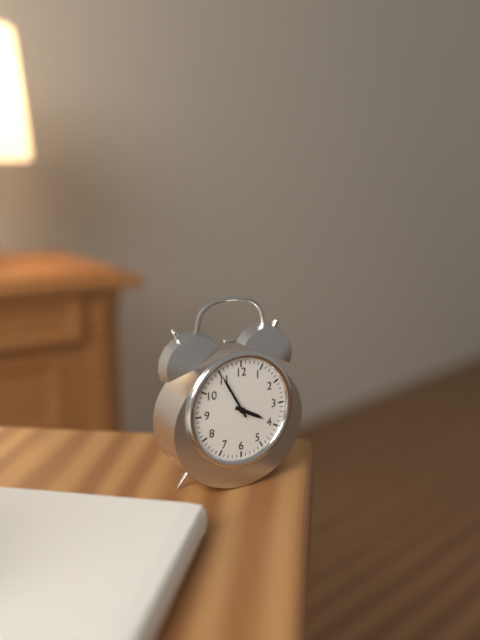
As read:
{"hour": 3, "minute": 55}
